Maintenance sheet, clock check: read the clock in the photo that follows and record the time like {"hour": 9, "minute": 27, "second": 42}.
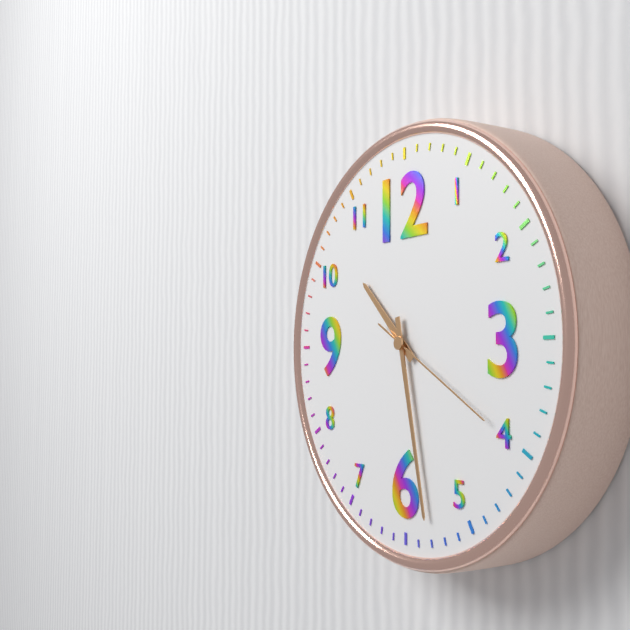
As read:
{"hour": 10, "minute": 28, "second": 20}
